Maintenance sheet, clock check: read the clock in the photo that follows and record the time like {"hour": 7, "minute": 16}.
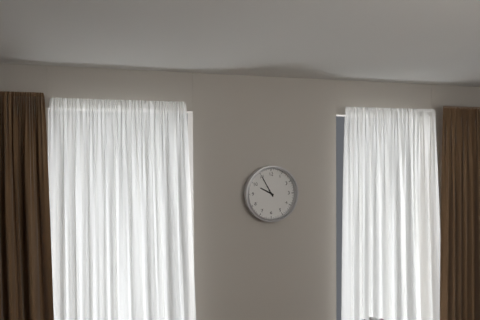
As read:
{"hour": 9, "minute": 55}
